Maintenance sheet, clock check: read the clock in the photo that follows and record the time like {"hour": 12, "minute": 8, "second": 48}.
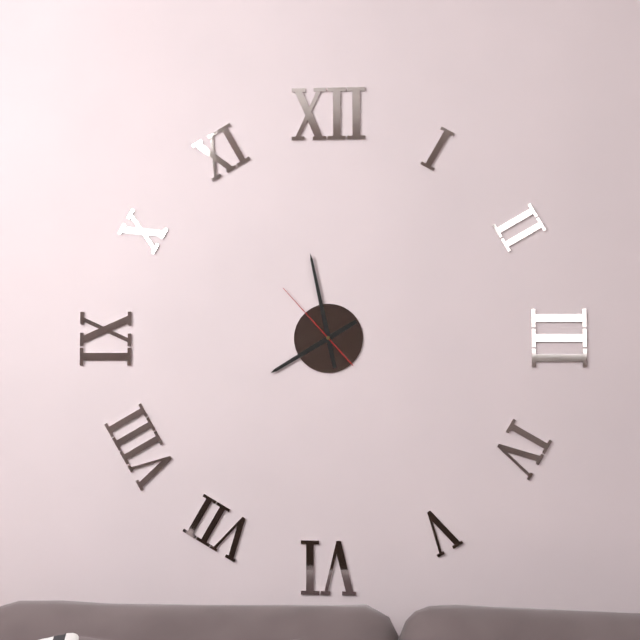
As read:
{"hour": 7, "minute": 58, "second": 53}
